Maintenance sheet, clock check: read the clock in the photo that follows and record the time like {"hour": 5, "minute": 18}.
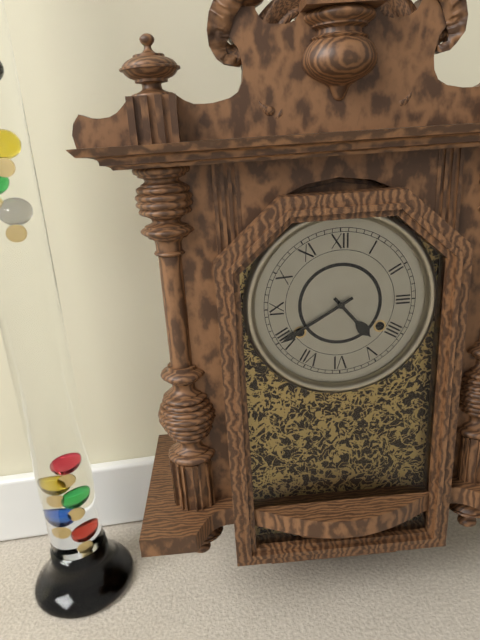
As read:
{"hour": 4, "minute": 40}
